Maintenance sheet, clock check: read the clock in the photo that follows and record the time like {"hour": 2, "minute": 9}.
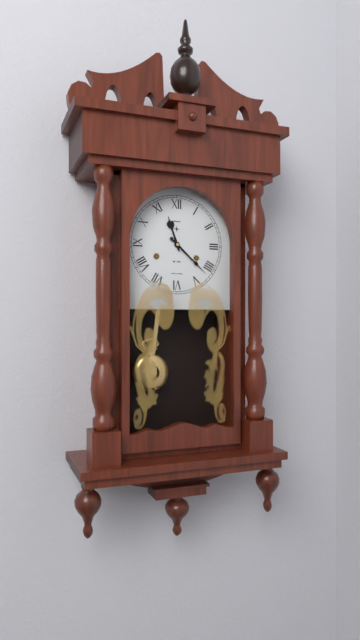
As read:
{"hour": 11, "minute": 22}
